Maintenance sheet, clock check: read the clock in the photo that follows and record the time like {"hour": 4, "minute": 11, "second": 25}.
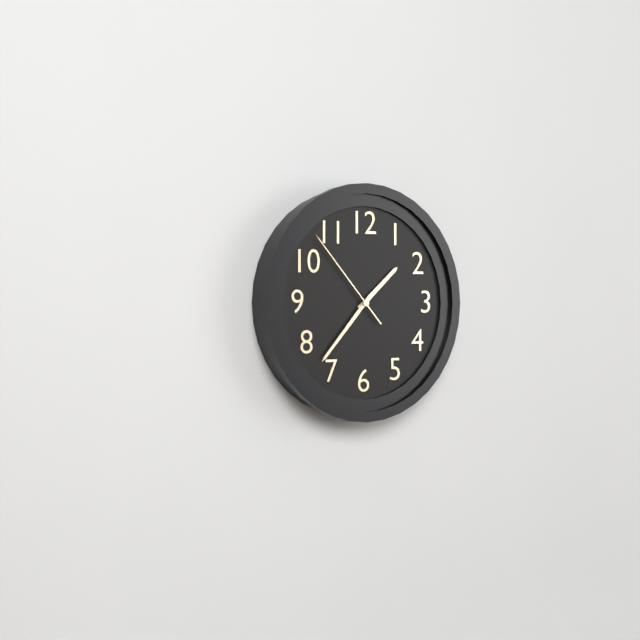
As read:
{"hour": 1, "minute": 37, "second": 53}
